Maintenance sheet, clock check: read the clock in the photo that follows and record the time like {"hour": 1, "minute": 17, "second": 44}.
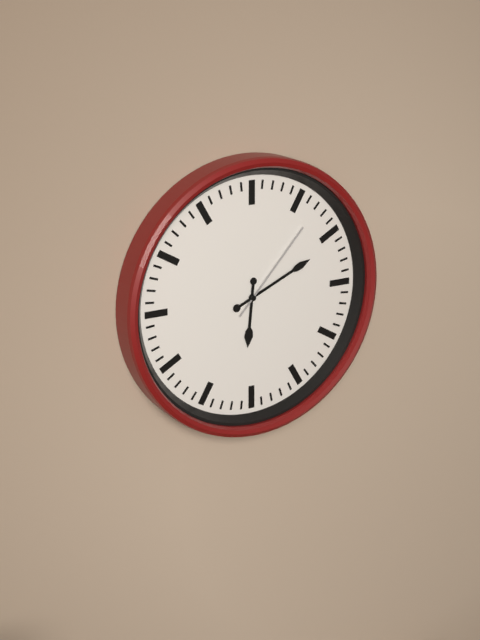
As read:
{"hour": 6, "minute": 11, "second": 7}
